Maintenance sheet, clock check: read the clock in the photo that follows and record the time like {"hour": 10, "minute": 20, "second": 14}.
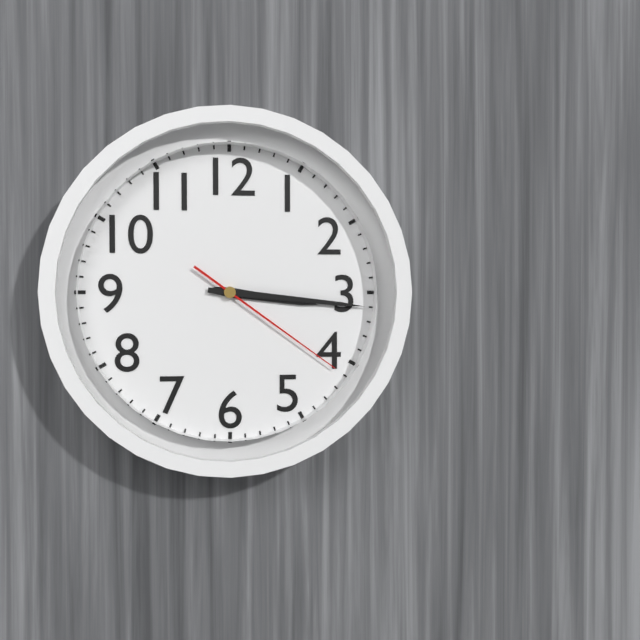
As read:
{"hour": 3, "minute": 16, "second": 21}
